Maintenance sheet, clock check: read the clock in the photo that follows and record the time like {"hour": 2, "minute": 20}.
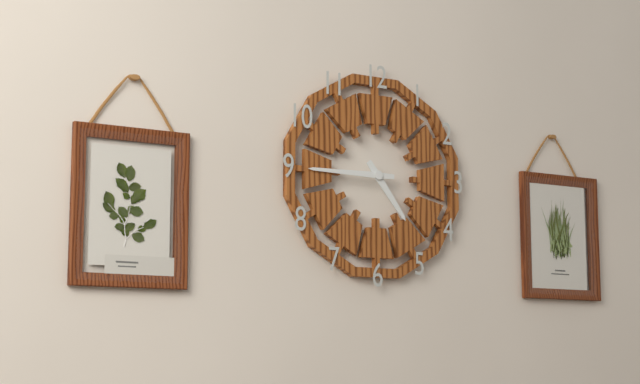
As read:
{"hour": 4, "minute": 45}
